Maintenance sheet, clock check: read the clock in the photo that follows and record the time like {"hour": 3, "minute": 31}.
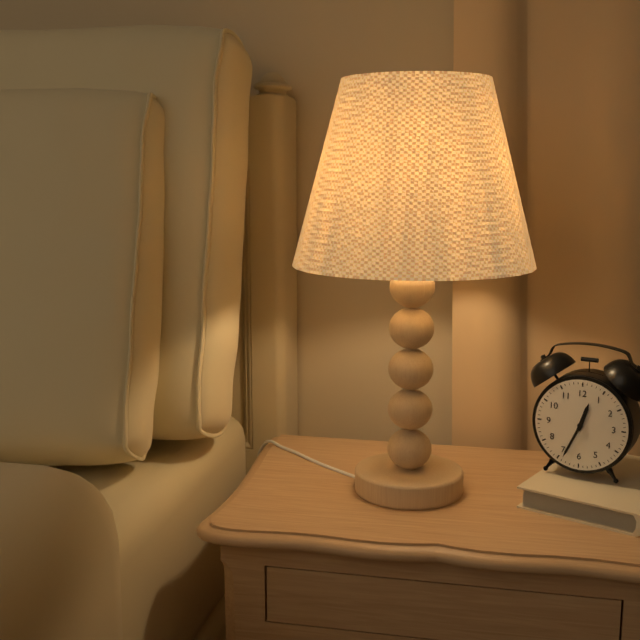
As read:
{"hour": 12, "minute": 34}
